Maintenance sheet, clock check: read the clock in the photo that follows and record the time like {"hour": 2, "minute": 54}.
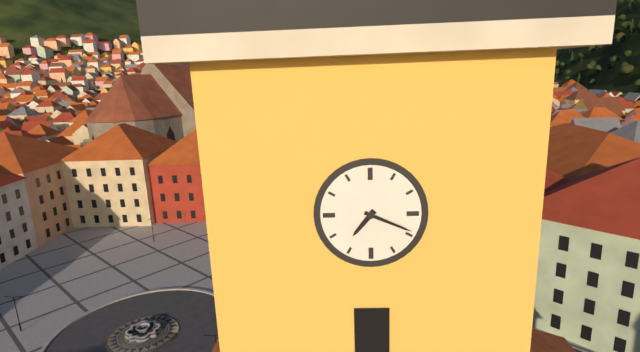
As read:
{"hour": 7, "minute": 19}
